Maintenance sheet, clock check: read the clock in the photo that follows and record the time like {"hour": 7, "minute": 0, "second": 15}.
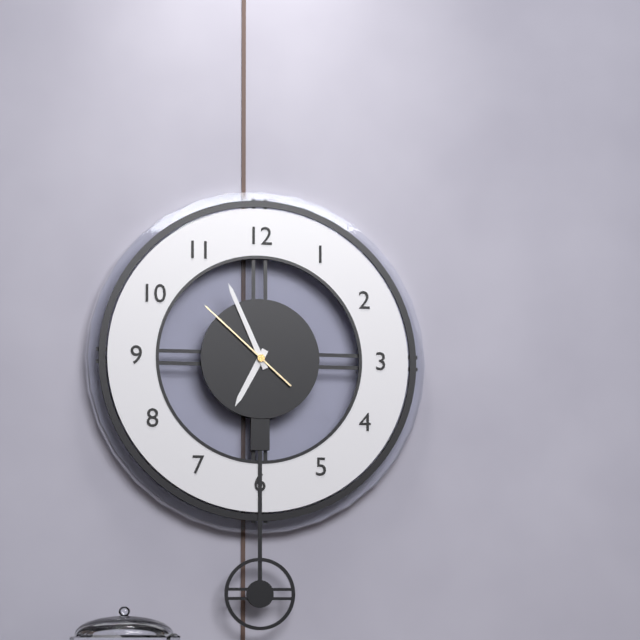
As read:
{"hour": 6, "minute": 56, "second": 52}
